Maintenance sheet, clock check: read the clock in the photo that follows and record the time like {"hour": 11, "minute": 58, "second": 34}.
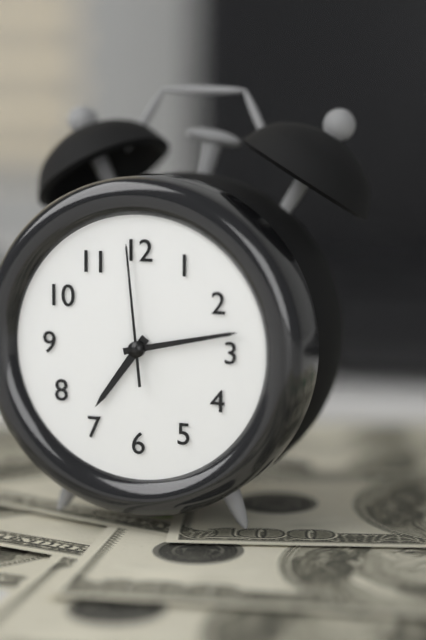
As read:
{"hour": 7, "minute": 13, "second": 59}
